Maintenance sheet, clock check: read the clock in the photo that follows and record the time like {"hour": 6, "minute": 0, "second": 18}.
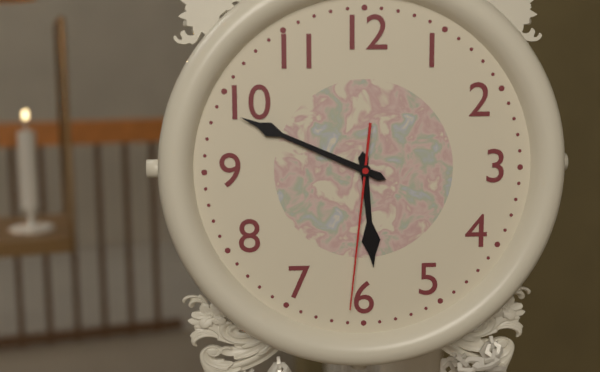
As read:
{"hour": 5, "minute": 49, "second": 31}
